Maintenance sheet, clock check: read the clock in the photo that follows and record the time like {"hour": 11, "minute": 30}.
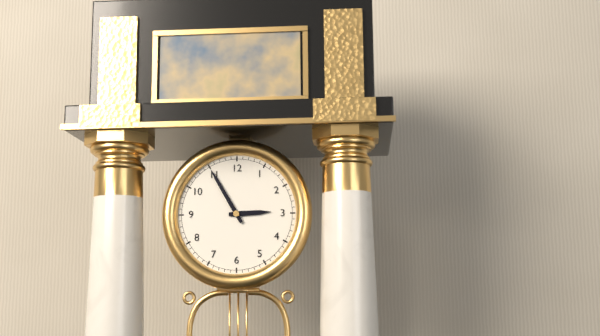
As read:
{"hour": 2, "minute": 55}
